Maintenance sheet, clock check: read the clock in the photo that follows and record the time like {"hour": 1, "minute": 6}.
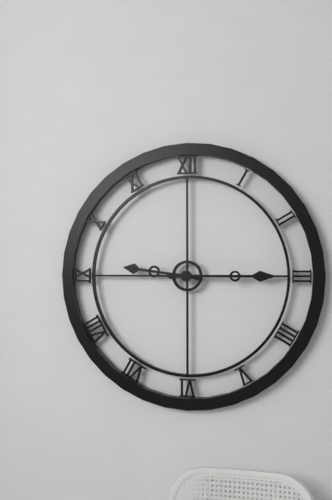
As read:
{"hour": 9, "minute": 15}
